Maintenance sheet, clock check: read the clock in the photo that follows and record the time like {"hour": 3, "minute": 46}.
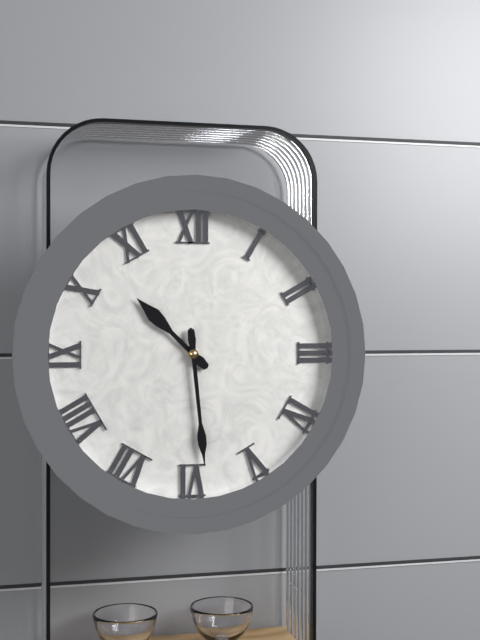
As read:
{"hour": 10, "minute": 29}
